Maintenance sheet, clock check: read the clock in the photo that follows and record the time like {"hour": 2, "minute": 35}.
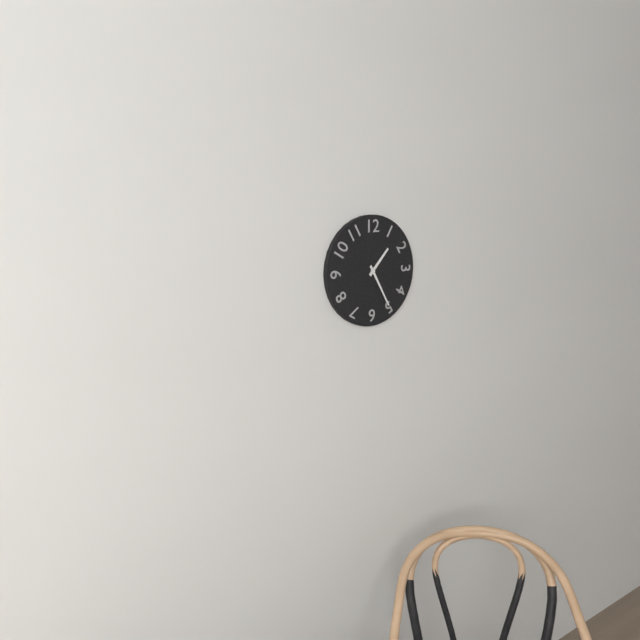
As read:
{"hour": 1, "minute": 25}
